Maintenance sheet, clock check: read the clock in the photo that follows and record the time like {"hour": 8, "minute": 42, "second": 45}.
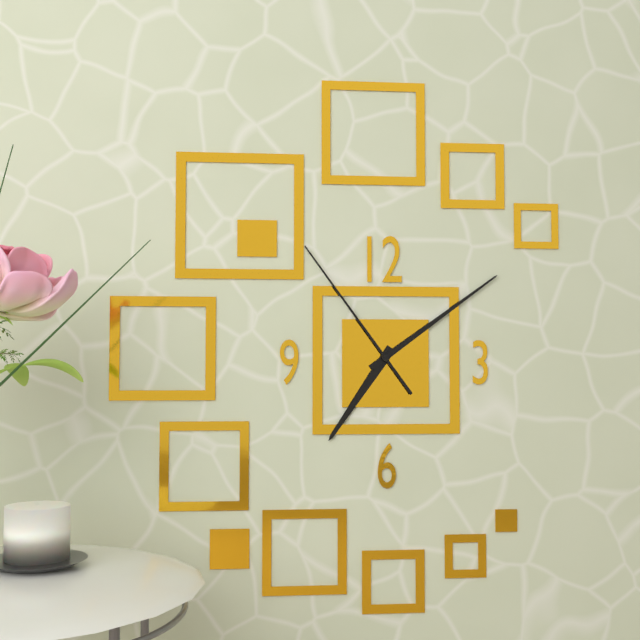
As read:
{"hour": 7, "minute": 9, "second": 54}
